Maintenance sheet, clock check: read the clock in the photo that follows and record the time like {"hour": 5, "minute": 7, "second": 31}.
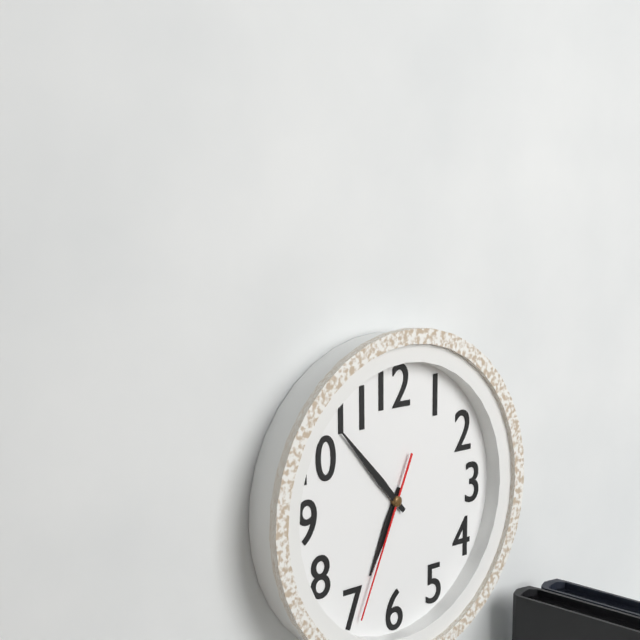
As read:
{"hour": 6, "minute": 53, "second": 34}
